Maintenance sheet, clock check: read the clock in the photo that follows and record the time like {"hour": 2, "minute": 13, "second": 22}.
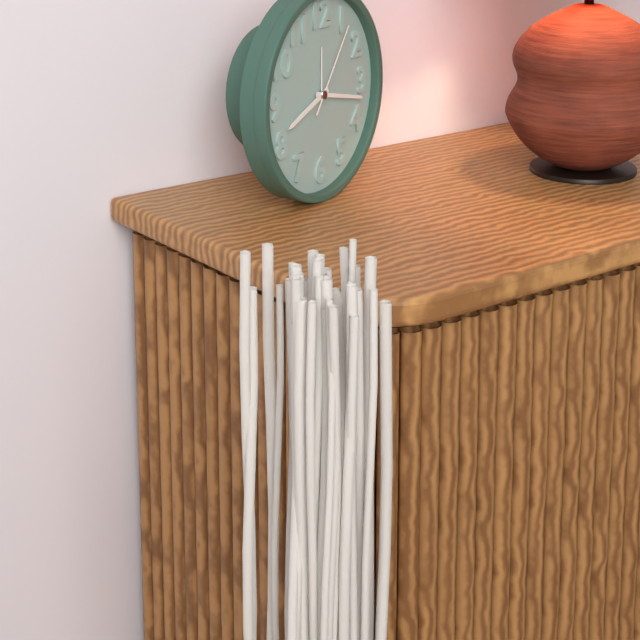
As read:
{"hour": 8, "minute": 17, "second": 6}
